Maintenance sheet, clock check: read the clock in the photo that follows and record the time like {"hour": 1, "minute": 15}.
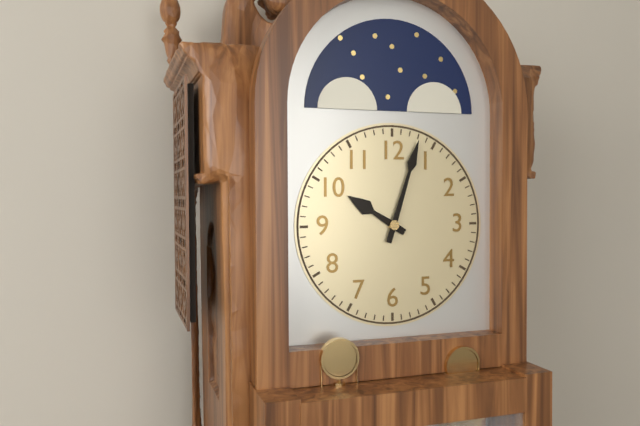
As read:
{"hour": 10, "minute": 3}
